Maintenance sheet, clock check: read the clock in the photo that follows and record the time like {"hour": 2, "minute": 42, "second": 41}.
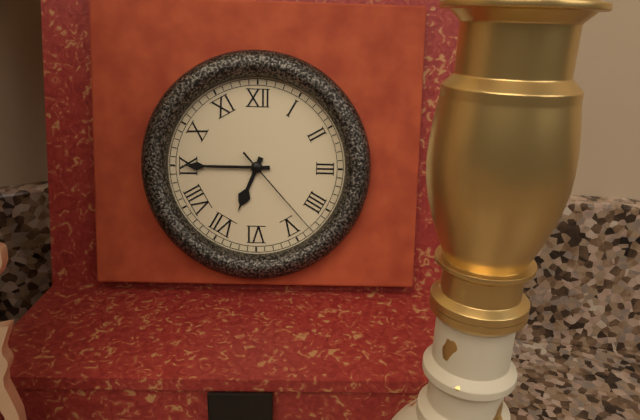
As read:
{"hour": 6, "minute": 45, "second": 23}
